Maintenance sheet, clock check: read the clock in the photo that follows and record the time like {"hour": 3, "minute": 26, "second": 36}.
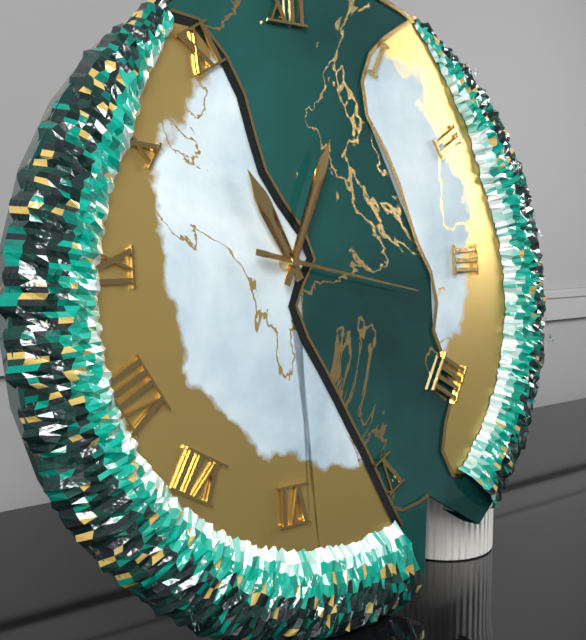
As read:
{"hour": 11, "minute": 4, "second": 17}
